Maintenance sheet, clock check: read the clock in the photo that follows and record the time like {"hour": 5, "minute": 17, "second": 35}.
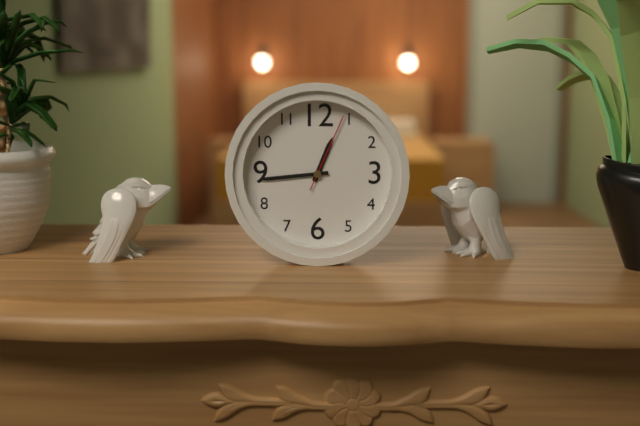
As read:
{"hour": 12, "minute": 44, "second": 4}
